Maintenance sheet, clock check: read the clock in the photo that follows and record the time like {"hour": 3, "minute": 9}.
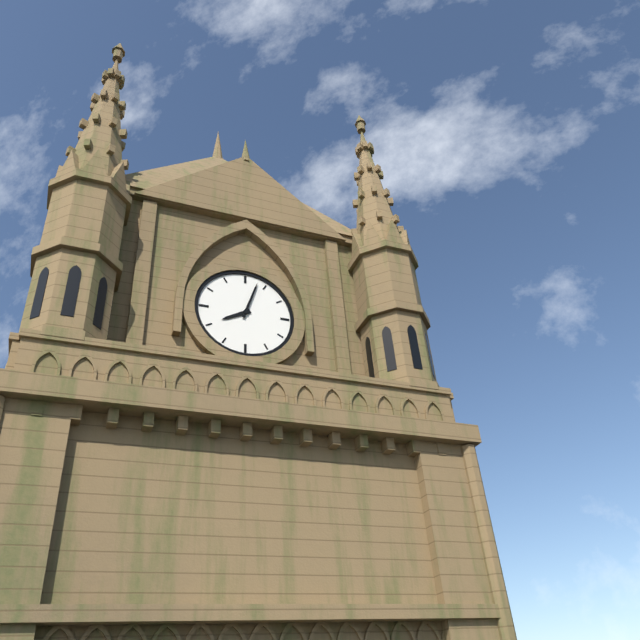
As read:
{"hour": 8, "minute": 3}
